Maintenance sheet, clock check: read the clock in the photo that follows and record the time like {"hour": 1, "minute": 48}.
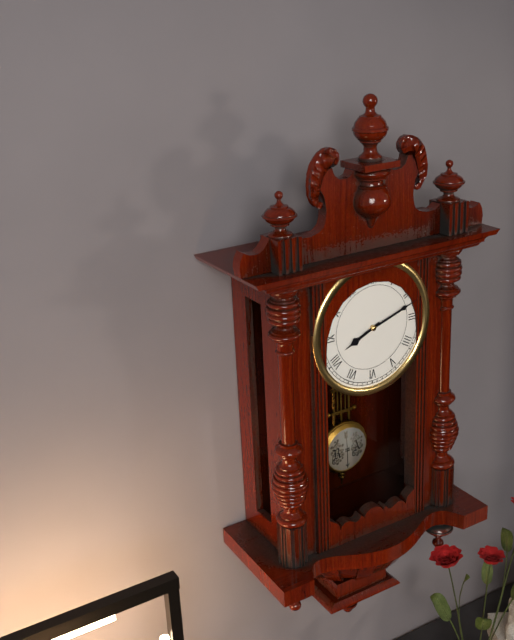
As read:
{"hour": 8, "minute": 12}
